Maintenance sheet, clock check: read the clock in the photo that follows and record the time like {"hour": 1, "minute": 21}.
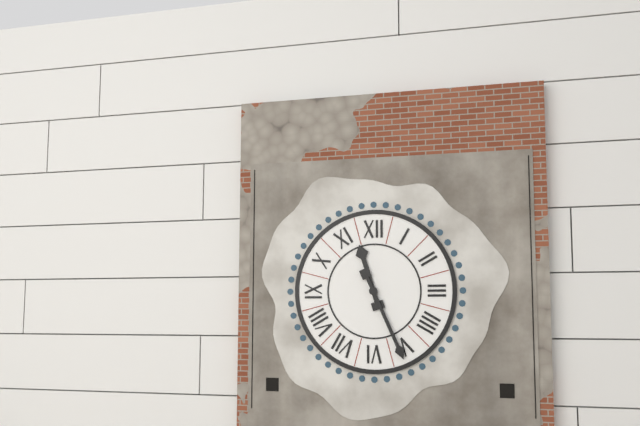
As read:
{"hour": 11, "minute": 26}
